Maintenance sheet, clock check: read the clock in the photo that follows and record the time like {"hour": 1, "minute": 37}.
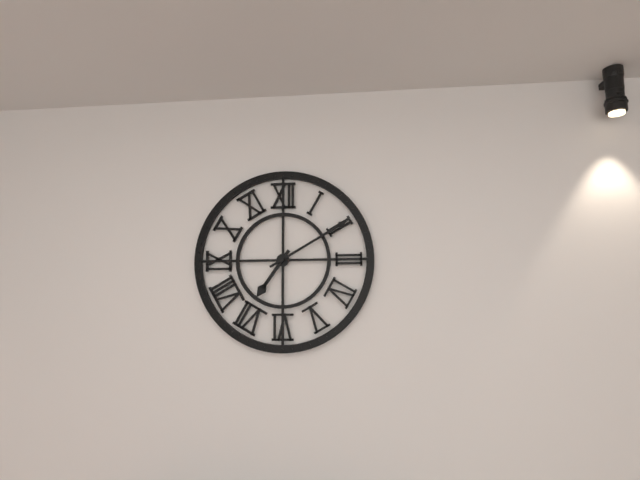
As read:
{"hour": 7, "minute": 10}
